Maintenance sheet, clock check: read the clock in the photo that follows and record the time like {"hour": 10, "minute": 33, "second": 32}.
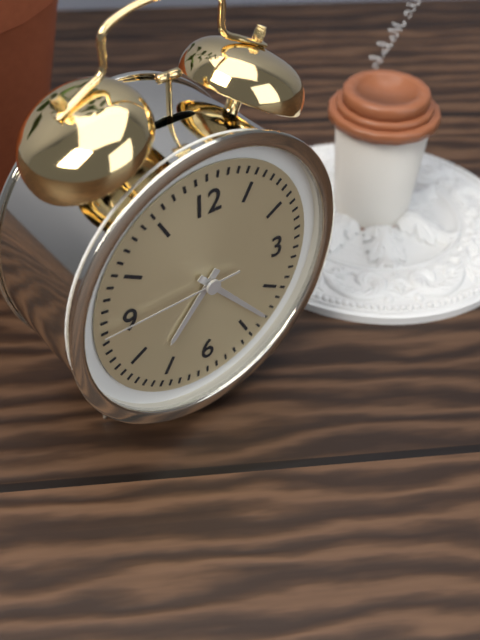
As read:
{"hour": 7, "minute": 23, "second": 45}
